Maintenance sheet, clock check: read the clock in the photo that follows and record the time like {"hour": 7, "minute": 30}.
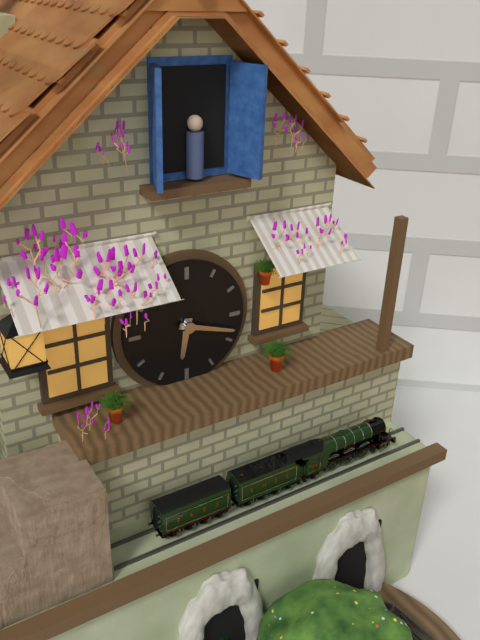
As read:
{"hour": 6, "minute": 18}
